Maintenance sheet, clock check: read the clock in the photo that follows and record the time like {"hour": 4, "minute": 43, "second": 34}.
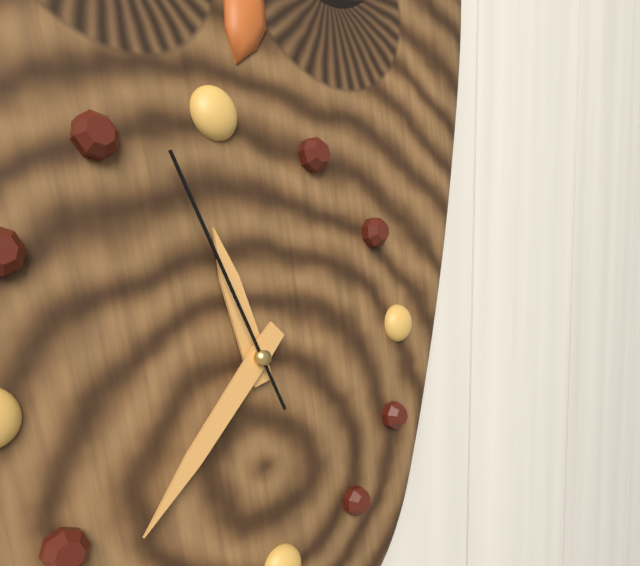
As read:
{"hour": 11, "minute": 38, "second": 57}
